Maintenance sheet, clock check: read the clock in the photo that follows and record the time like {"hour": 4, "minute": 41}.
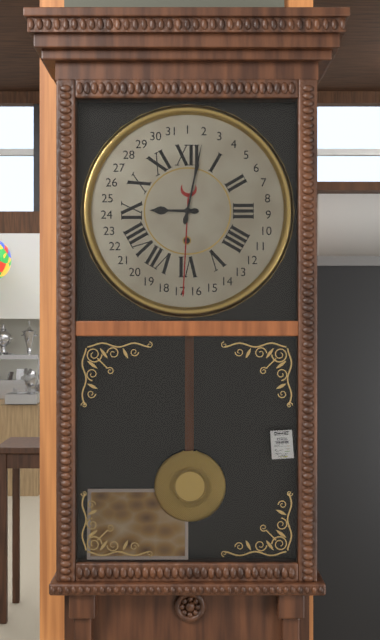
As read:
{"hour": 9, "minute": 2}
